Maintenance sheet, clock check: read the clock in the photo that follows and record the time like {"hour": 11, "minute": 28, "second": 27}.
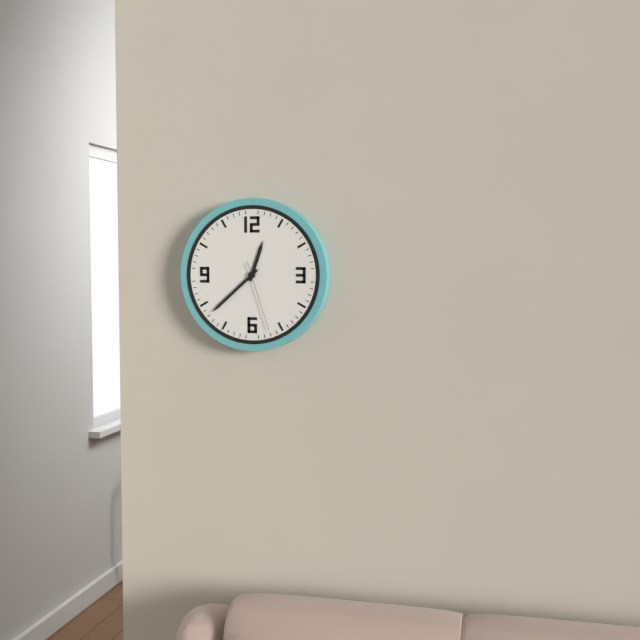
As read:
{"hour": 12, "minute": 38, "second": 27}
